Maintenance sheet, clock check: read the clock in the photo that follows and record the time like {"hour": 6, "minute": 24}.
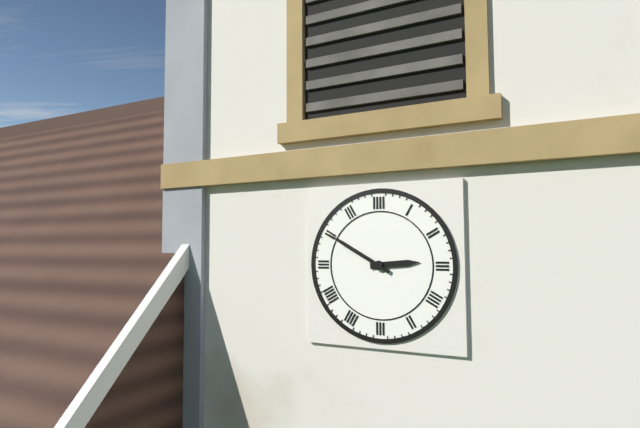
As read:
{"hour": 2, "minute": 50}
